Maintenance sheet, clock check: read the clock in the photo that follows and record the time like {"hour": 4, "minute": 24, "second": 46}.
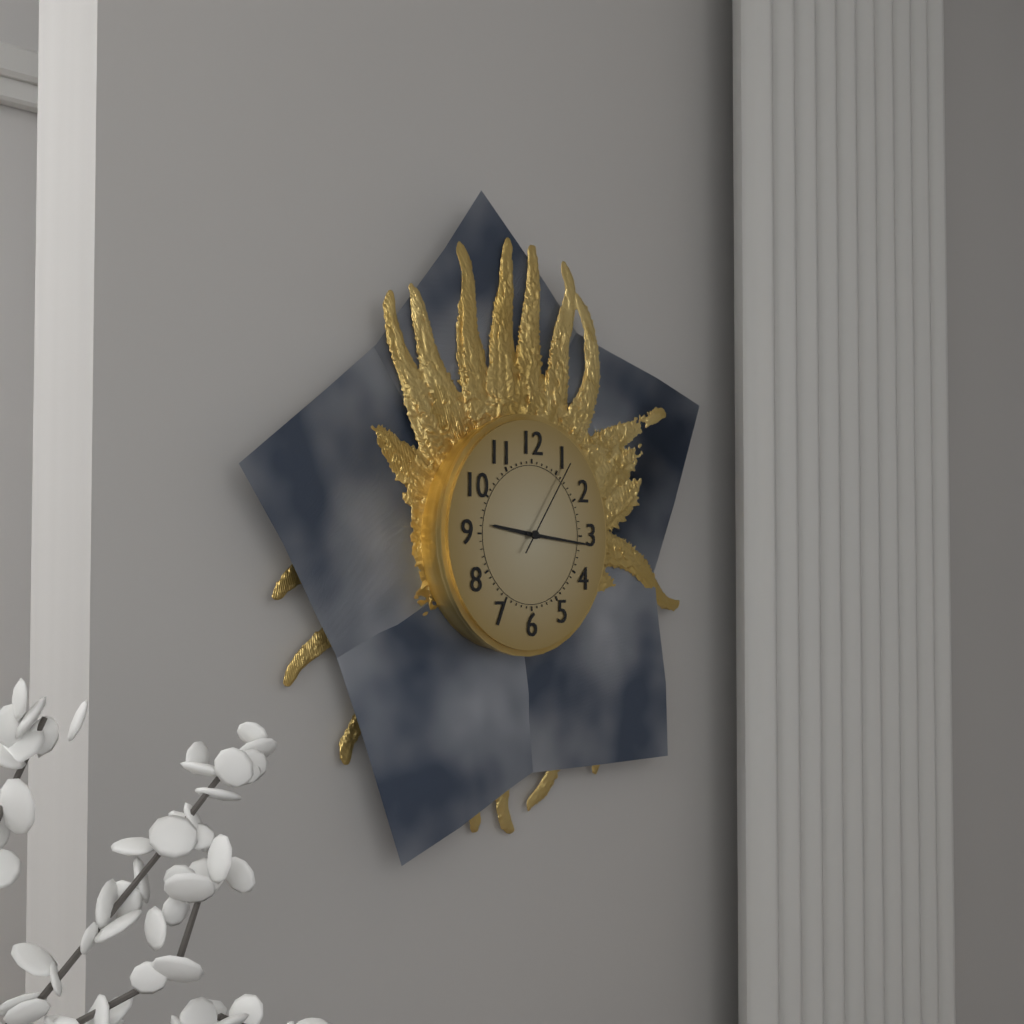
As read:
{"hour": 9, "minute": 16, "second": 6}
